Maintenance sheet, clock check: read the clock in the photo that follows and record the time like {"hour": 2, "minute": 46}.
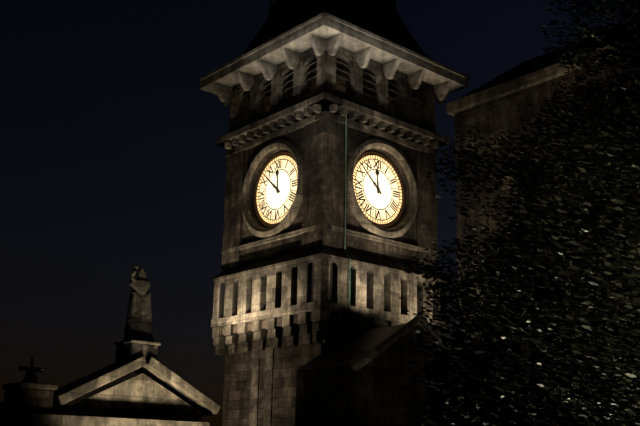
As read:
{"hour": 11, "minute": 52}
